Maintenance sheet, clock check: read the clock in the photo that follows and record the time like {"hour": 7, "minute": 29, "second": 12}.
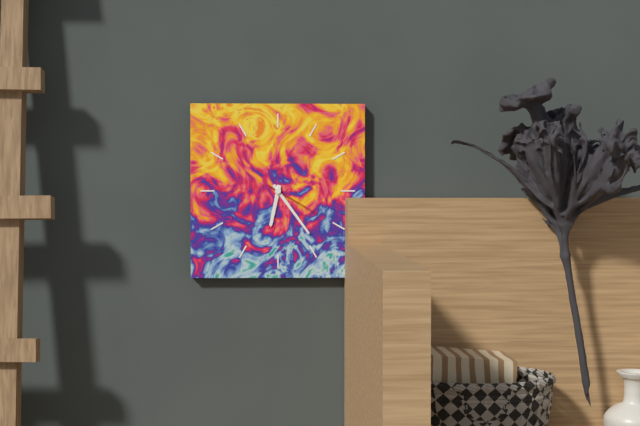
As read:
{"hour": 6, "minute": 24, "second": 20}
